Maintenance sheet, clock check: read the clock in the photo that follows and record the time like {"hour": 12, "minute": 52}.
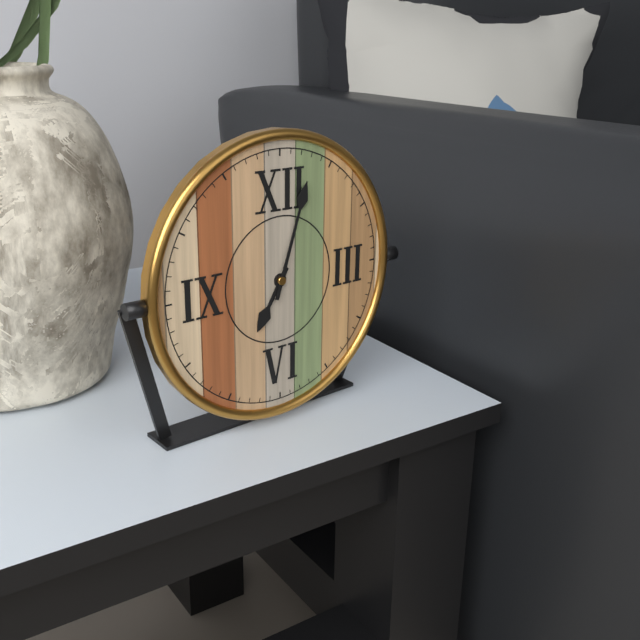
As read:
{"hour": 7, "minute": 3}
